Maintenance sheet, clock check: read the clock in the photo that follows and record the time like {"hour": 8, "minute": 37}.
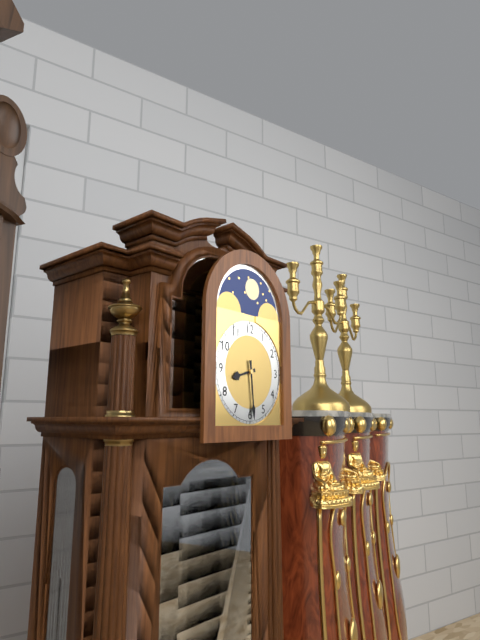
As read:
{"hour": 8, "minute": 29}
